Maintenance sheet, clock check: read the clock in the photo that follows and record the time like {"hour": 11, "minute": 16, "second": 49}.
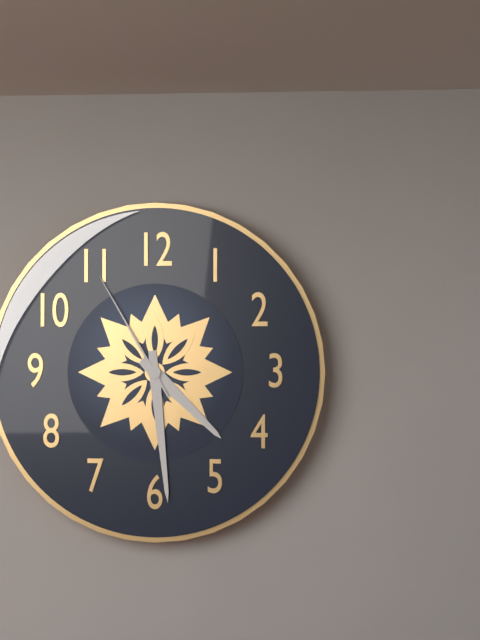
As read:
{"hour": 4, "minute": 29, "second": 55}
